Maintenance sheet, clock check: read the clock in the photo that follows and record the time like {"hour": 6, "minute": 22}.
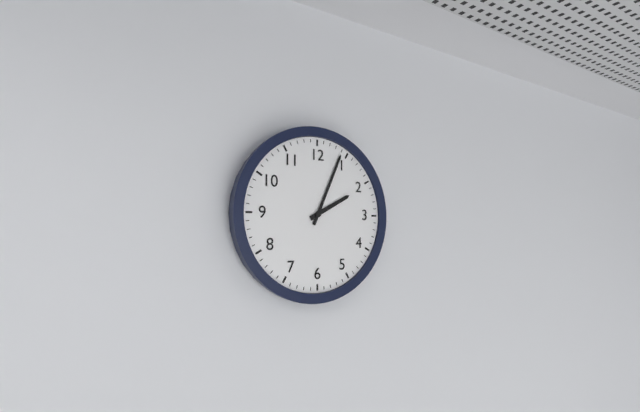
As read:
{"hour": 2, "minute": 4}
